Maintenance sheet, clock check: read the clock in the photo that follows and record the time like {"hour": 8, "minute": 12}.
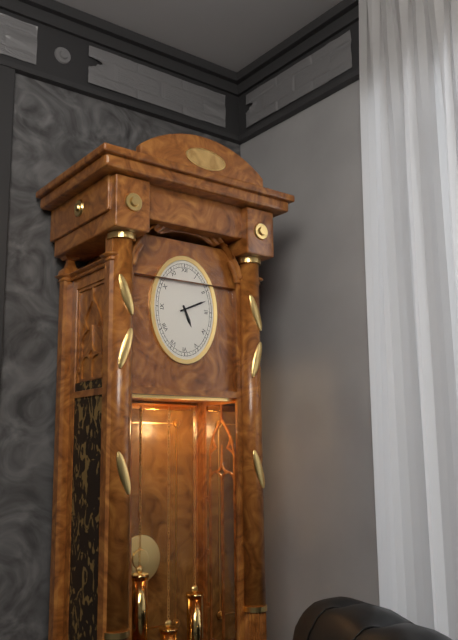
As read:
{"hour": 5, "minute": 11}
